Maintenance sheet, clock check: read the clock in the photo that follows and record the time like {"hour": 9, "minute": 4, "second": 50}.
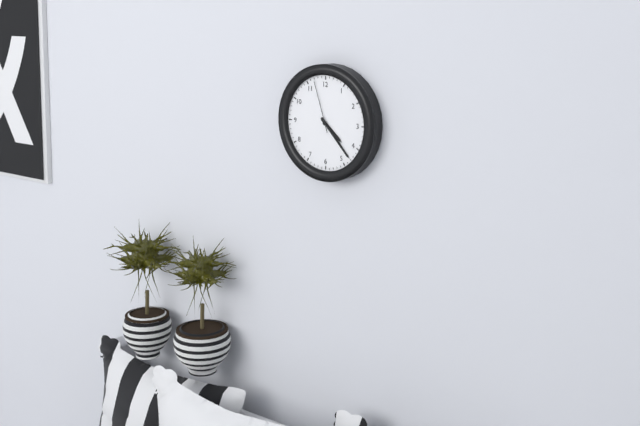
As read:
{"hour": 4, "minute": 23, "second": 57}
